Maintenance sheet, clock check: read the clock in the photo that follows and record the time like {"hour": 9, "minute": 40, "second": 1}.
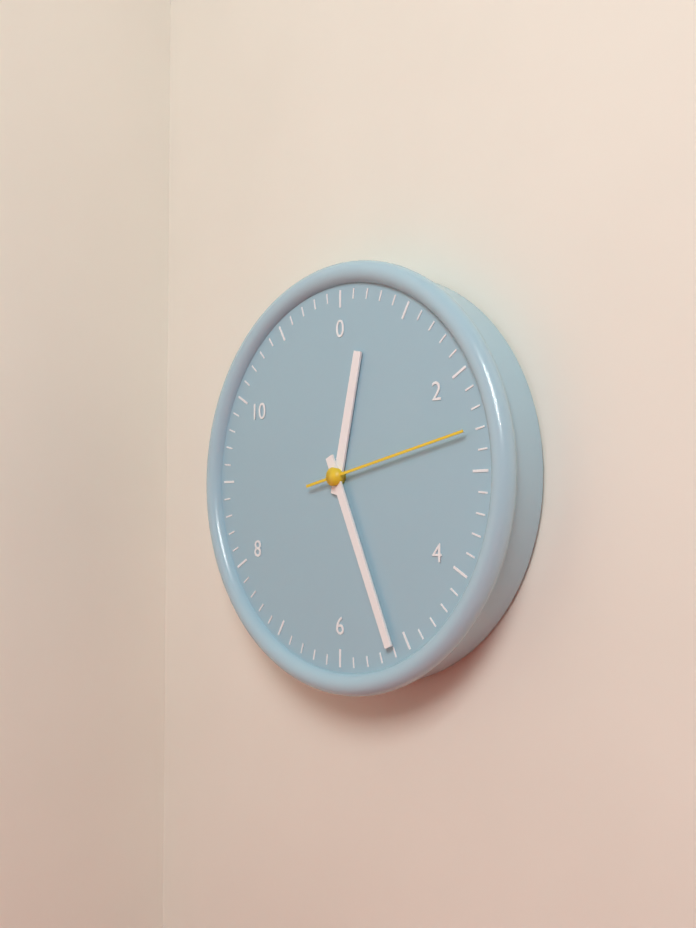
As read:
{"hour": 12, "minute": 26, "second": 13}
